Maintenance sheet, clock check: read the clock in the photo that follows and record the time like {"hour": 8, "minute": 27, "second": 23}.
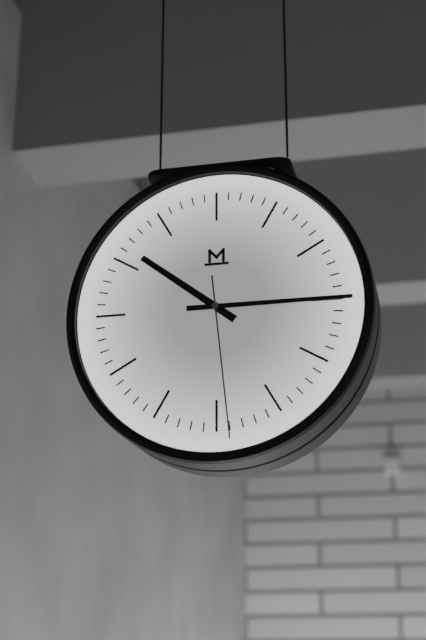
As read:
{"hour": 10, "minute": 15, "second": 29}
